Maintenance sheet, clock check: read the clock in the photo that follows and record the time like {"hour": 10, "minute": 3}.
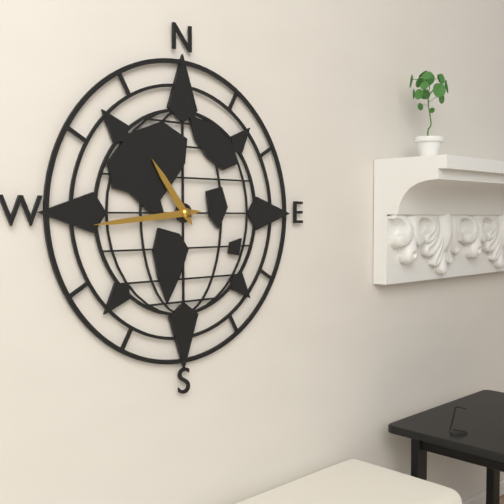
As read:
{"hour": 10, "minute": 44}
